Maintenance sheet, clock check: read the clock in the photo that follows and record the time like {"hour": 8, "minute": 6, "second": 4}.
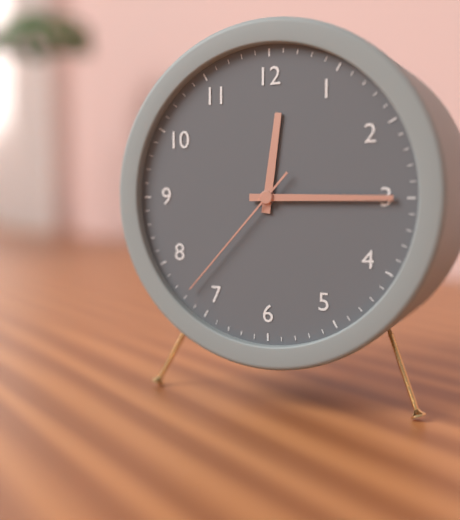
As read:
{"hour": 12, "minute": 15, "second": 37}
